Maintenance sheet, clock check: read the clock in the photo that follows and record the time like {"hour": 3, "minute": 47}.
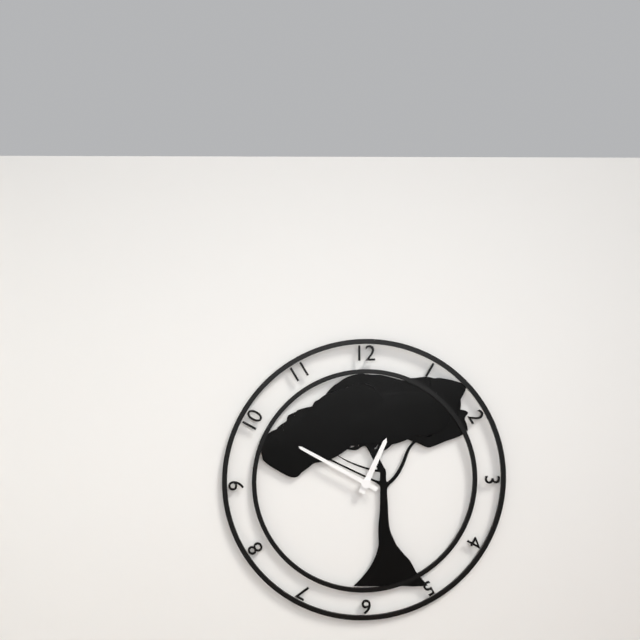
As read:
{"hour": 12, "minute": 50}
